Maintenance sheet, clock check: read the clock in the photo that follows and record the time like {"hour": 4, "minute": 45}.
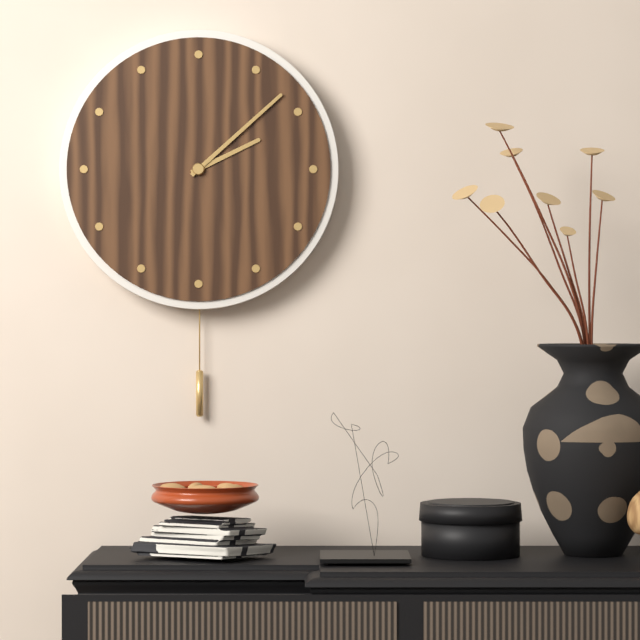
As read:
{"hour": 2, "minute": 8}
